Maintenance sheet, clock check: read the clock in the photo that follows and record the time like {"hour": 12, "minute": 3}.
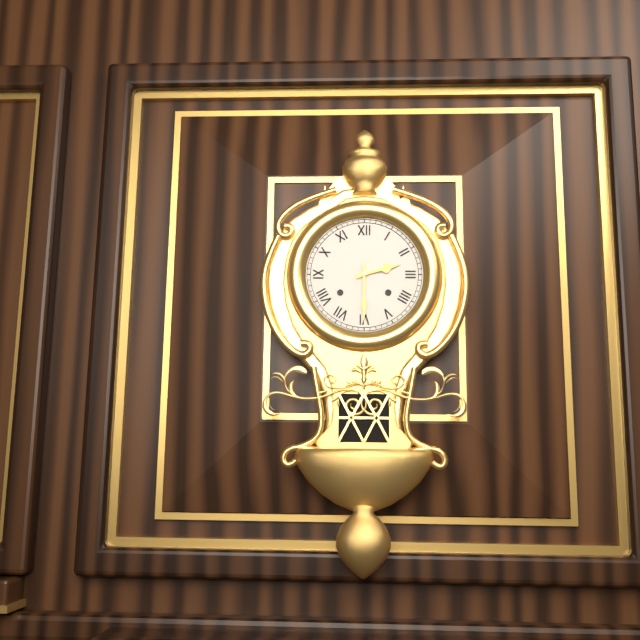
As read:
{"hour": 2, "minute": 30}
